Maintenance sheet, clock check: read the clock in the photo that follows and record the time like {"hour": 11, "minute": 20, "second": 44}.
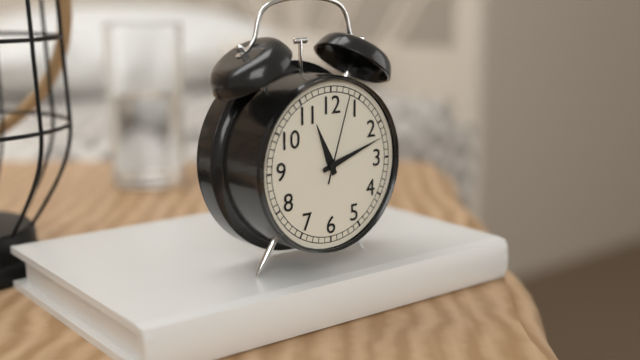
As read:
{"hour": 11, "minute": 12, "second": 3}
